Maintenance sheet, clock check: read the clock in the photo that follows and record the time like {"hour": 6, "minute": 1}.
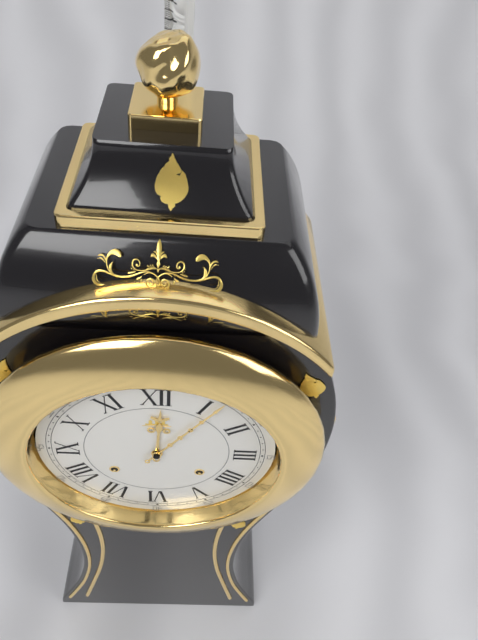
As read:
{"hour": 12, "minute": 6}
